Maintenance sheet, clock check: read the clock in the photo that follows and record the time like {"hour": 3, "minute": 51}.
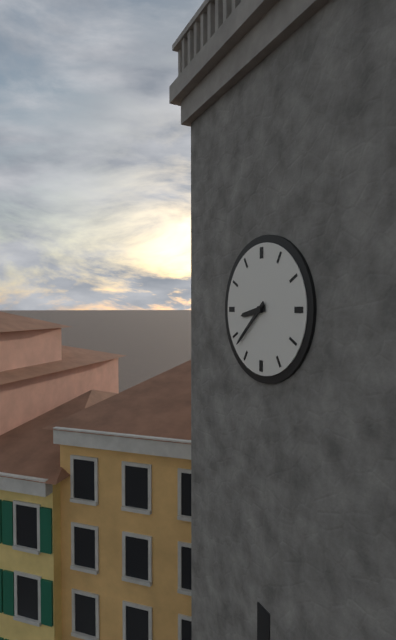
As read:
{"hour": 8, "minute": 38}
